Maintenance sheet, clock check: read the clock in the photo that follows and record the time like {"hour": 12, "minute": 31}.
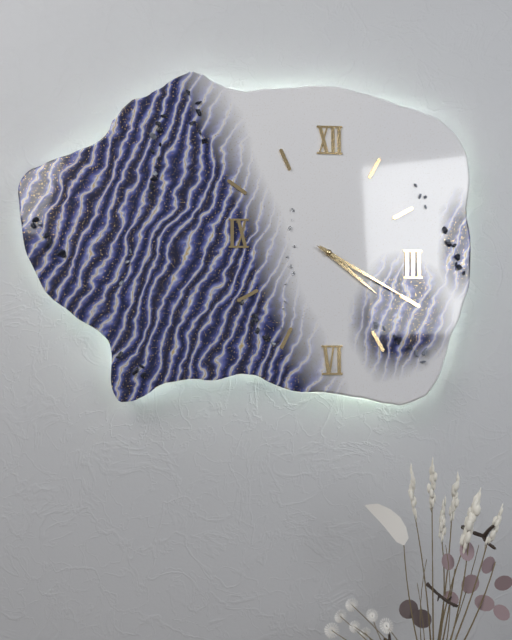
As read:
{"hour": 4, "minute": 20}
